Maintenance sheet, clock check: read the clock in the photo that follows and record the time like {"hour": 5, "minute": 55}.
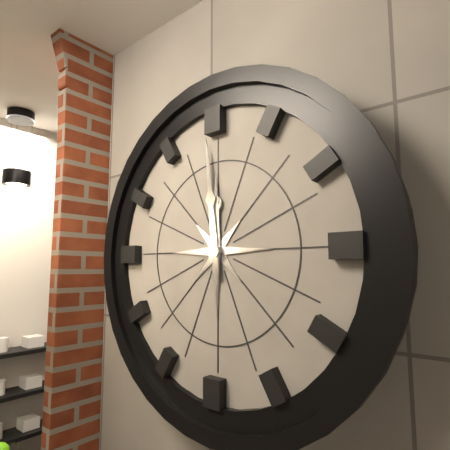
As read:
{"hour": 11, "minute": 59}
